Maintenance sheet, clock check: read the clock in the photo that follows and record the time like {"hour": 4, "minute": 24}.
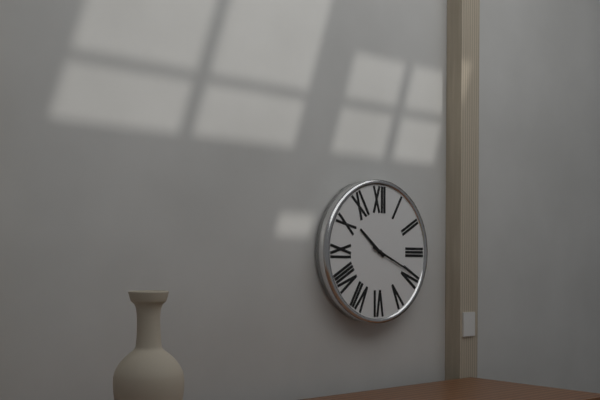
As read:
{"hour": 10, "minute": 19}
